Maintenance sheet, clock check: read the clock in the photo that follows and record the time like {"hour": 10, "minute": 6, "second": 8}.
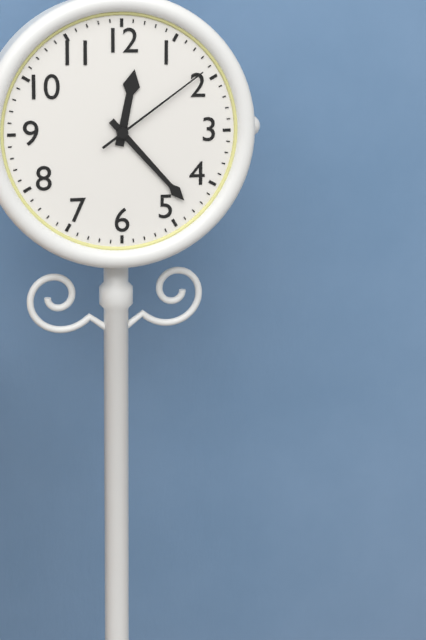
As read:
{"hour": 12, "minute": 23, "second": 9}
